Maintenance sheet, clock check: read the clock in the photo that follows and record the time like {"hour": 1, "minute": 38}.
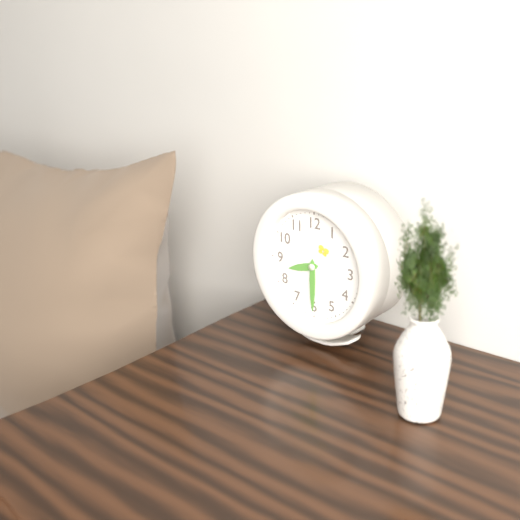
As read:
{"hour": 8, "minute": 30}
